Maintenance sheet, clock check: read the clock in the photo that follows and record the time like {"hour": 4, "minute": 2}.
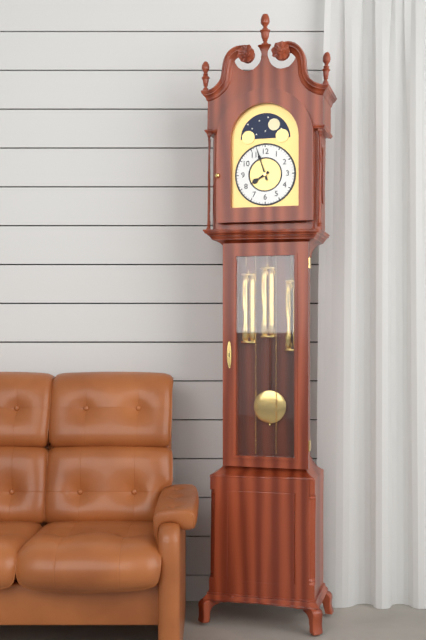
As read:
{"hour": 7, "minute": 57}
